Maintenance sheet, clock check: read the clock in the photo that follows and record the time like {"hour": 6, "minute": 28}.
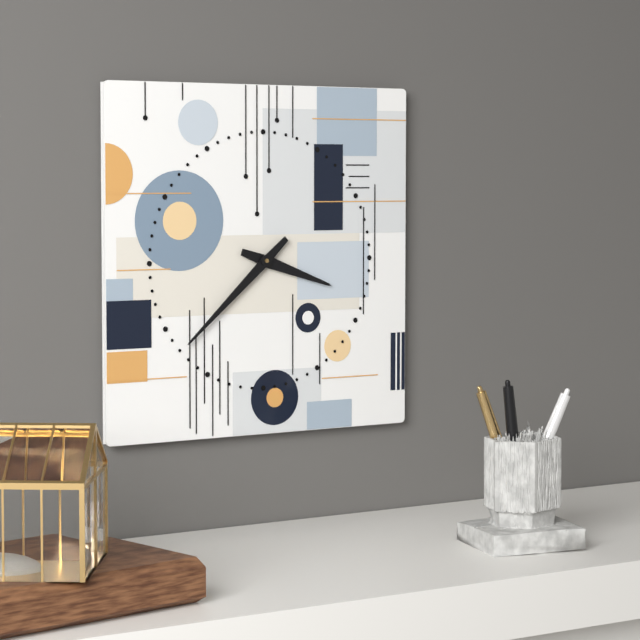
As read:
{"hour": 3, "minute": 38}
